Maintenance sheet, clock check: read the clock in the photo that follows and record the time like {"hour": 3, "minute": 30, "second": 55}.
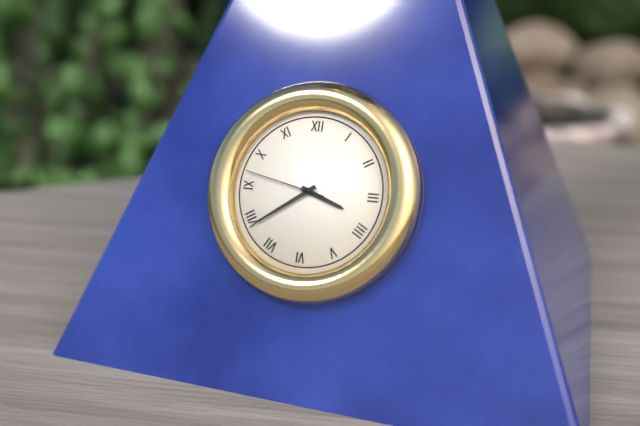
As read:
{"hour": 3, "minute": 39, "second": 47}
